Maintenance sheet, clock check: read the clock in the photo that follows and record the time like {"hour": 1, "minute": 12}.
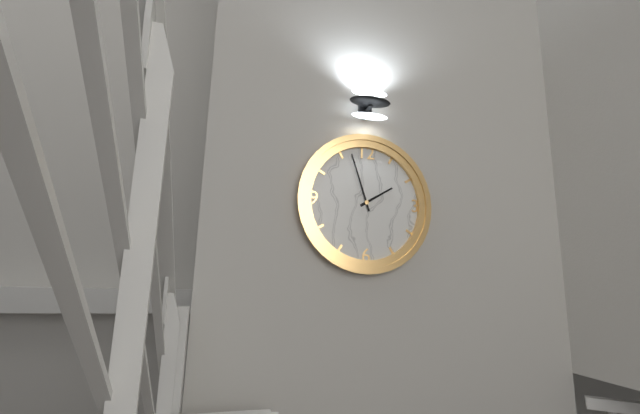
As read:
{"hour": 1, "minute": 57}
